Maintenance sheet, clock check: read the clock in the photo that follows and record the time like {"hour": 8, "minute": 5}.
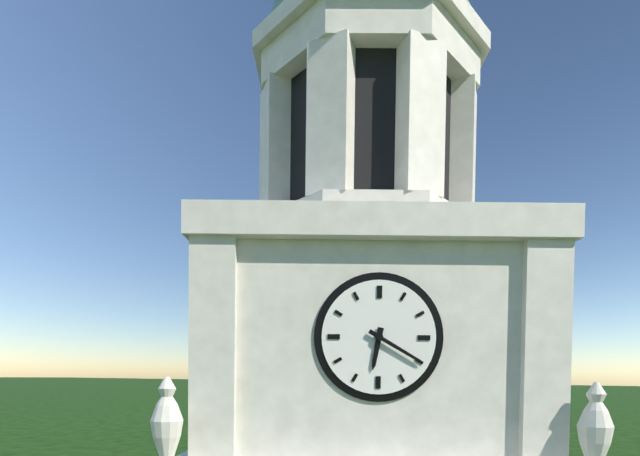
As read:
{"hour": 6, "minute": 20}
